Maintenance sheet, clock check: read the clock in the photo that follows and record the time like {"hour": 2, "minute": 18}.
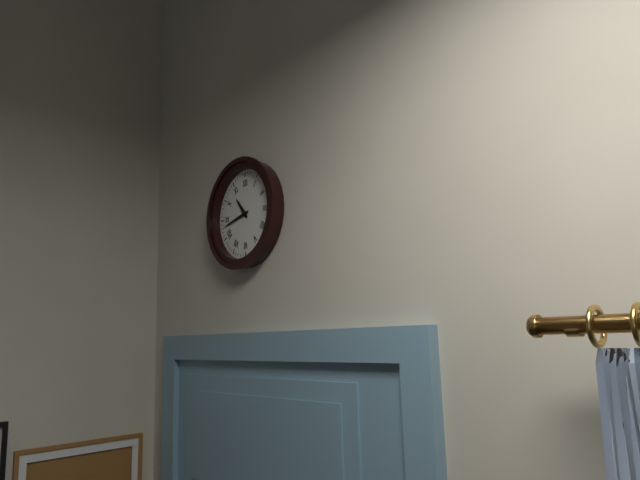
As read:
{"hour": 10, "minute": 43}
